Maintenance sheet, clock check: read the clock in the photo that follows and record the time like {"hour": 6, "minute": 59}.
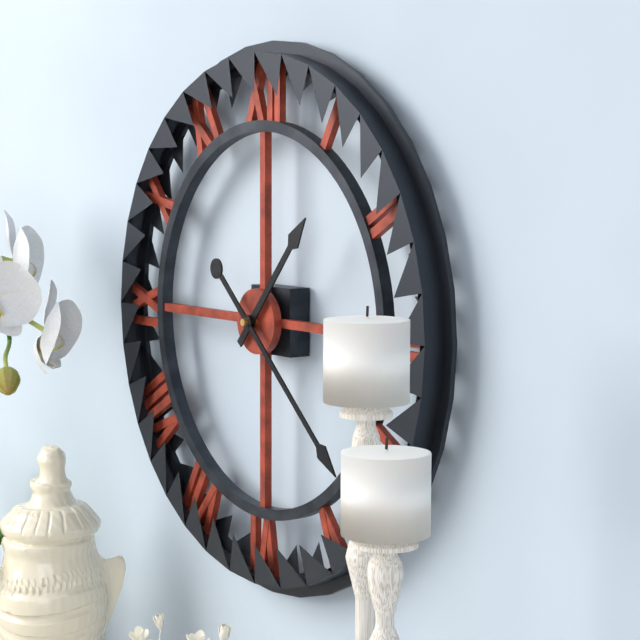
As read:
{"hour": 1, "minute": 22}
